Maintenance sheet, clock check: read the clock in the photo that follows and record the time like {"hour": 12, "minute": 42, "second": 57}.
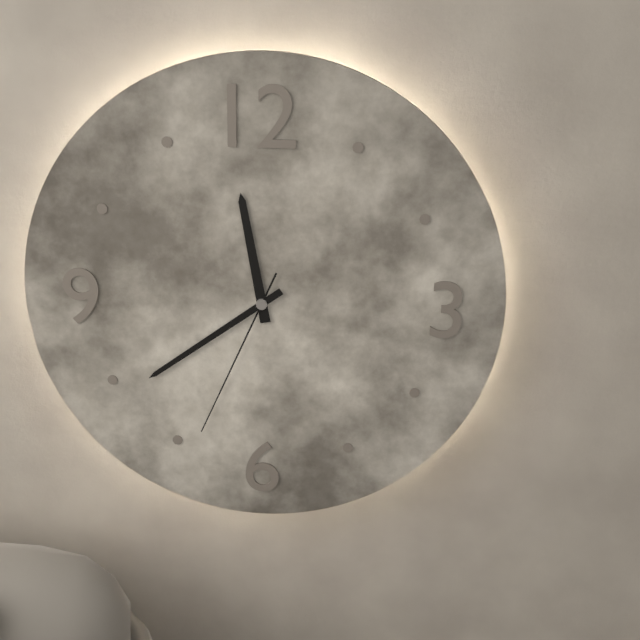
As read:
{"hour": 11, "minute": 39, "second": 34}
